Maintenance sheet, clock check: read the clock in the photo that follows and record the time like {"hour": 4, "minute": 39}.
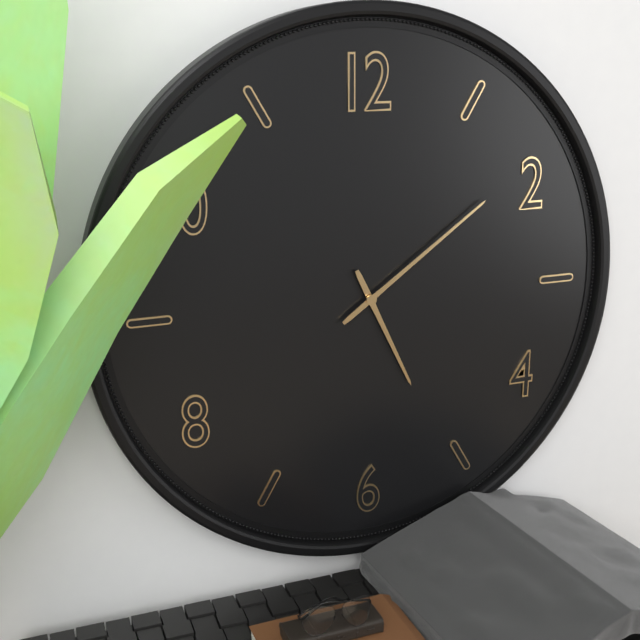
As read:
{"hour": 5, "minute": 9}
